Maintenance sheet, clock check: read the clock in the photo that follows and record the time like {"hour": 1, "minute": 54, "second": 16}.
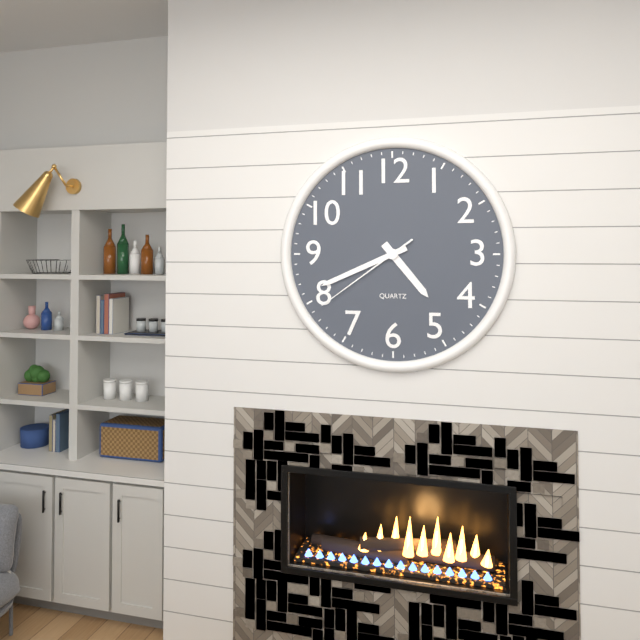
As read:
{"hour": 4, "minute": 41, "second": 39}
